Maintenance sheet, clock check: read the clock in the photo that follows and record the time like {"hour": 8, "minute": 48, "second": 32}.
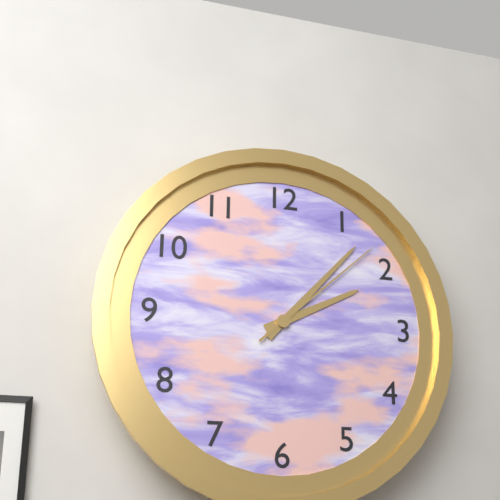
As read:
{"hour": 2, "minute": 7, "second": 8}
